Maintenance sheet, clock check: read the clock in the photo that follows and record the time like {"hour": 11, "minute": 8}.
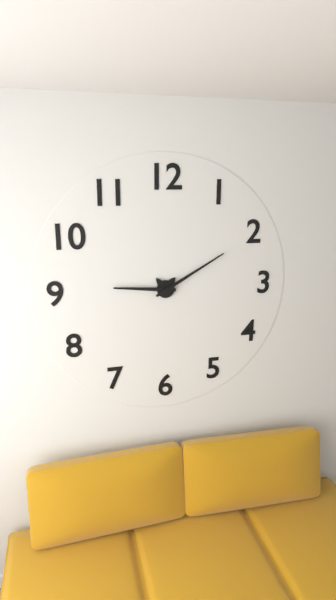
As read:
{"hour": 9, "minute": 10}
